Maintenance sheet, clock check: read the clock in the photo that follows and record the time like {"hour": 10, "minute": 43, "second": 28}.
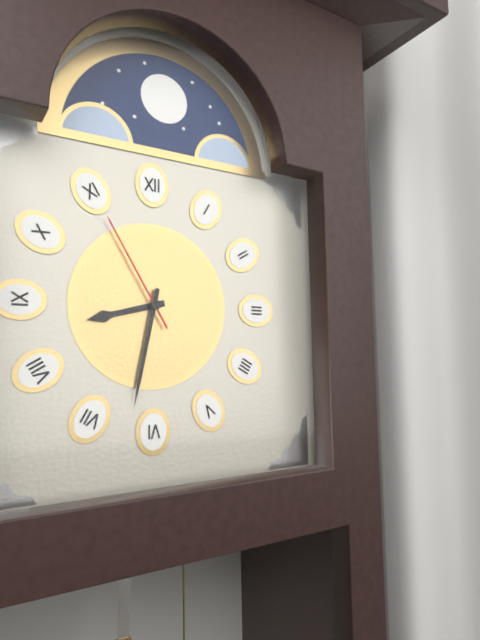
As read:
{"hour": 8, "minute": 32, "second": 55}
